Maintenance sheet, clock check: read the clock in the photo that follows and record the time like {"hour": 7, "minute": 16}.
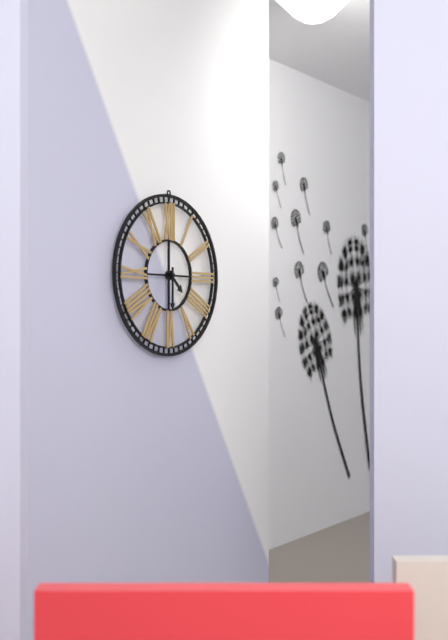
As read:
{"hour": 4, "minute": 30}
